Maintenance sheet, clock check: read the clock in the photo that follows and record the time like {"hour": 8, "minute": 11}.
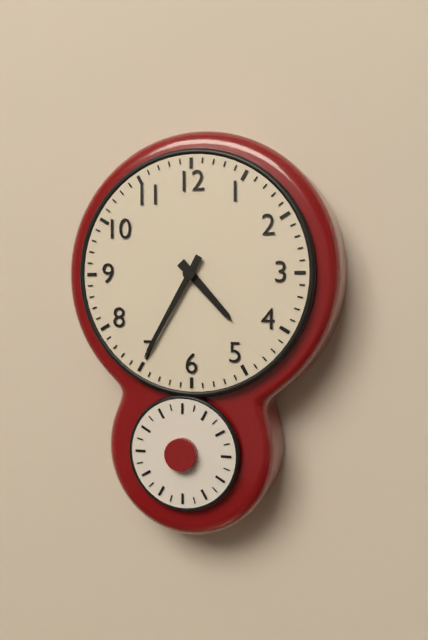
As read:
{"hour": 4, "minute": 35}
